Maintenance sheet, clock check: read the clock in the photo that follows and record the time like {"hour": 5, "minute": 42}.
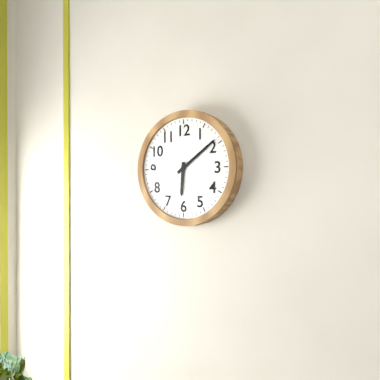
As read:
{"hour": 6, "minute": 9}
